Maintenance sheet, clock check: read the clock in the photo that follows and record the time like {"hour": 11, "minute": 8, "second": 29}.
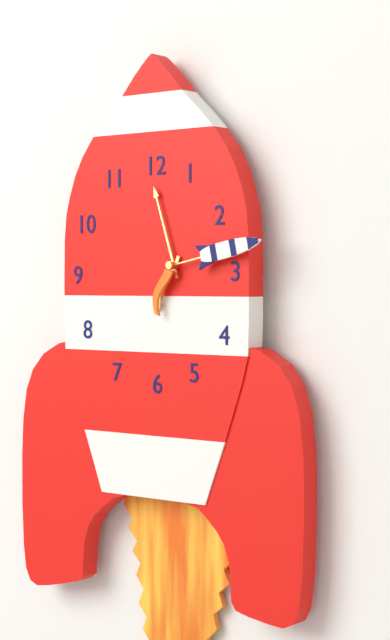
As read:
{"hour": 6, "minute": 57, "second": 13}
